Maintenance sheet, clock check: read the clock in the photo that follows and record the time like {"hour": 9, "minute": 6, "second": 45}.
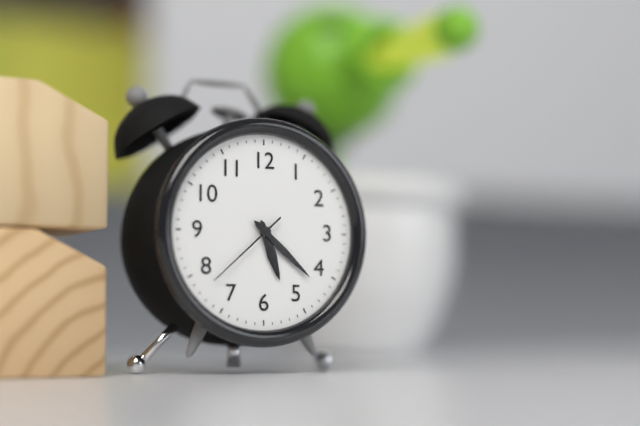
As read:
{"hour": 5, "minute": 22, "second": 38}
